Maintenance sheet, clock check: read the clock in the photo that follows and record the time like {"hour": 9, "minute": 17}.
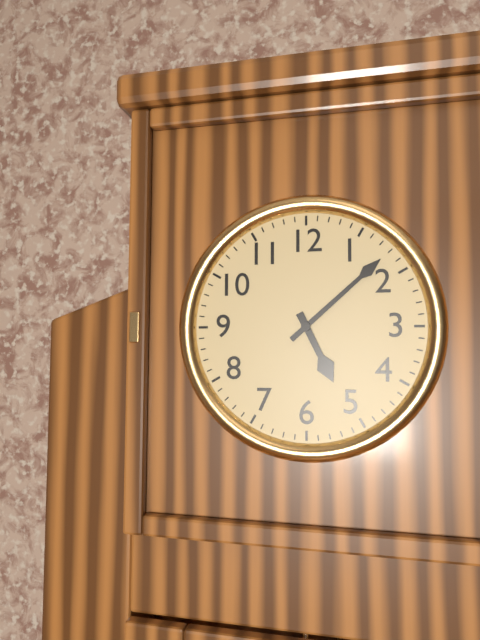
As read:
{"hour": 5, "minute": 8}
